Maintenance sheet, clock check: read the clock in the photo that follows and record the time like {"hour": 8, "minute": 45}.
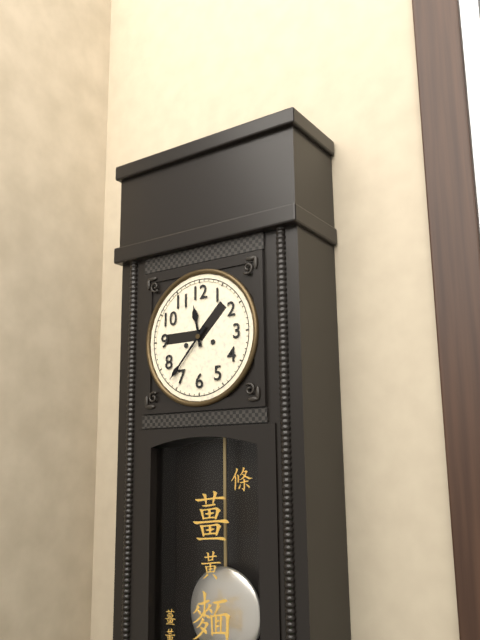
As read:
{"hour": 11, "minute": 37}
